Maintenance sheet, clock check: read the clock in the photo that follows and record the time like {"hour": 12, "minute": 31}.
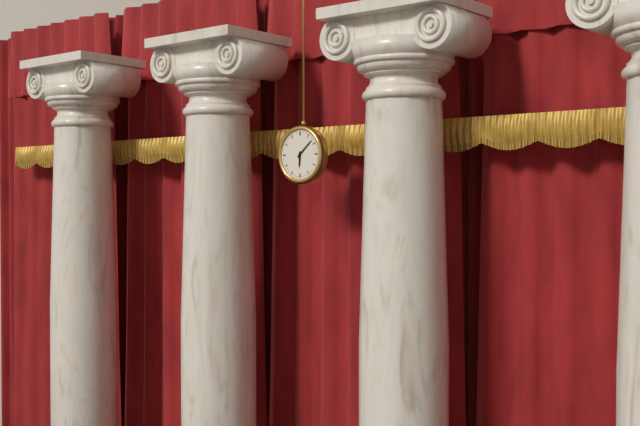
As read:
{"hour": 6, "minute": 8}
